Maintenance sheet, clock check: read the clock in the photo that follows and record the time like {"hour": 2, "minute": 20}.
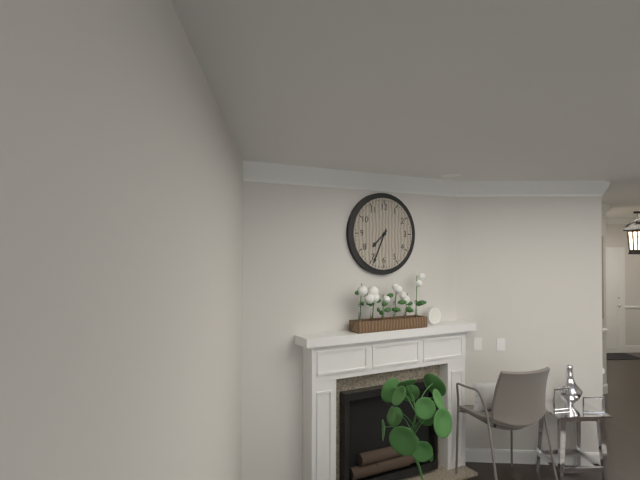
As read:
{"hour": 7, "minute": 34}
